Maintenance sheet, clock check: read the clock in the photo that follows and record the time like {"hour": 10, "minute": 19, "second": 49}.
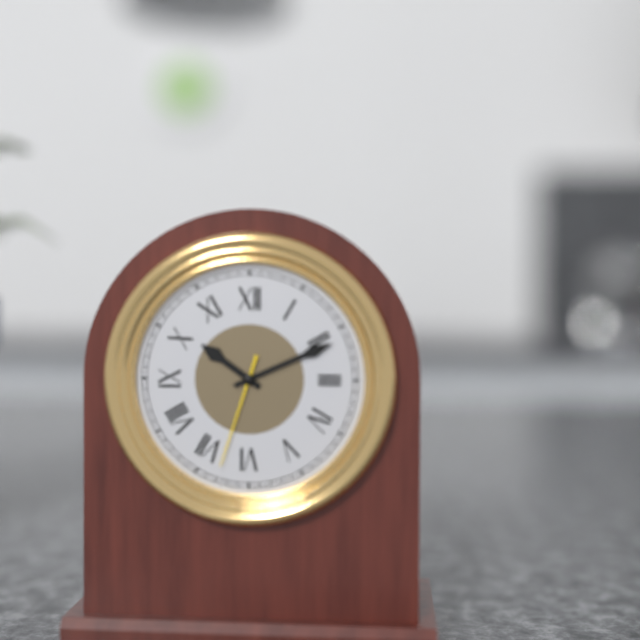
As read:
{"hour": 10, "minute": 11, "second": 33}
